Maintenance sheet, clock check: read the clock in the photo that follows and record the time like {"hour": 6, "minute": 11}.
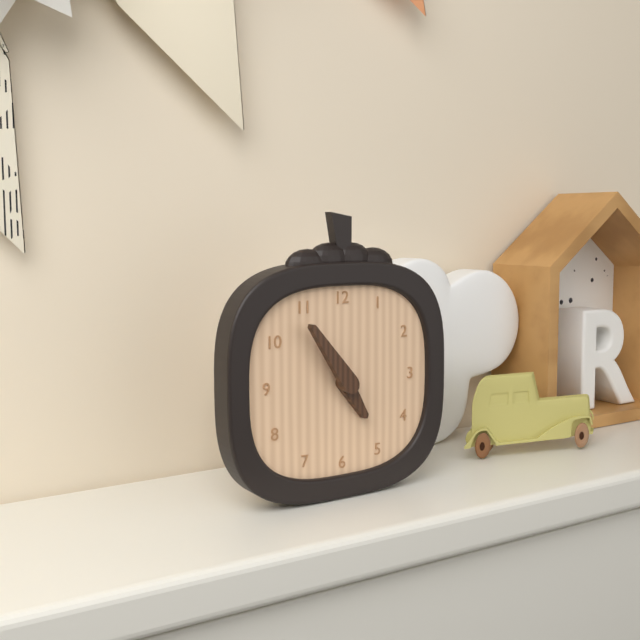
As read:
{"hour": 4, "minute": 54}
